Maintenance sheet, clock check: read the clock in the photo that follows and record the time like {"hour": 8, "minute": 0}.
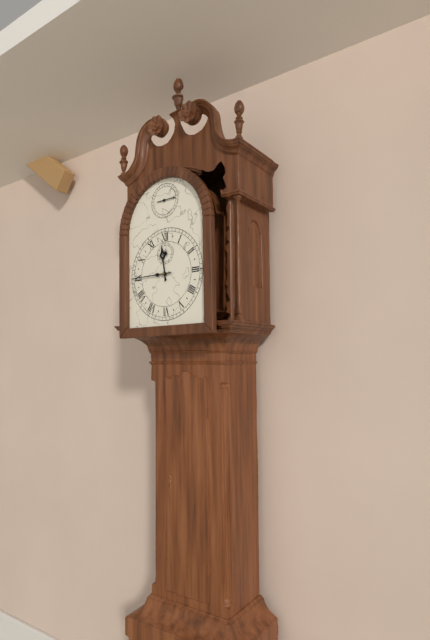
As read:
{"hour": 11, "minute": 45}
